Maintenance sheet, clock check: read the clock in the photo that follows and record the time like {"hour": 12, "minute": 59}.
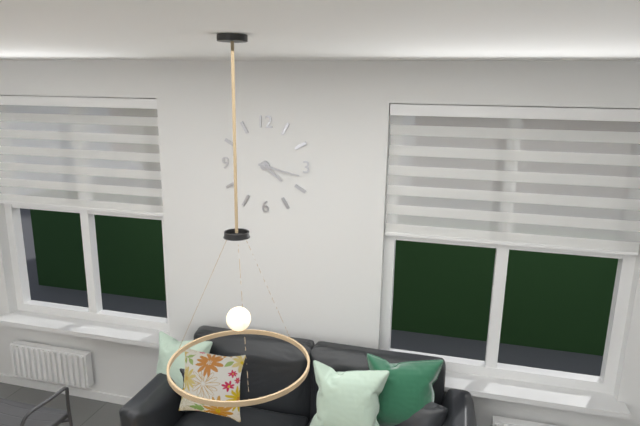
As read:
{"hour": 4, "minute": 17}
